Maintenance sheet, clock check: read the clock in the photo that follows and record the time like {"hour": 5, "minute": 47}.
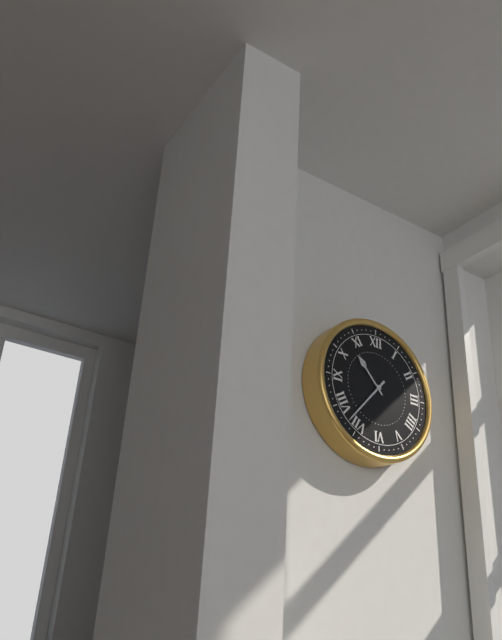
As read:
{"hour": 10, "minute": 37}
